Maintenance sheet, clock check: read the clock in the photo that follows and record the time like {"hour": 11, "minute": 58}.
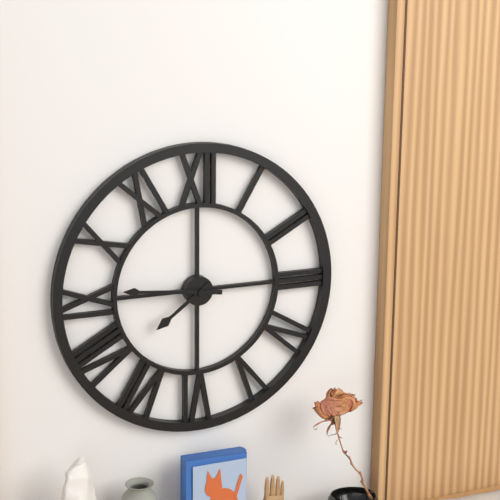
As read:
{"hour": 7, "minute": 46}
